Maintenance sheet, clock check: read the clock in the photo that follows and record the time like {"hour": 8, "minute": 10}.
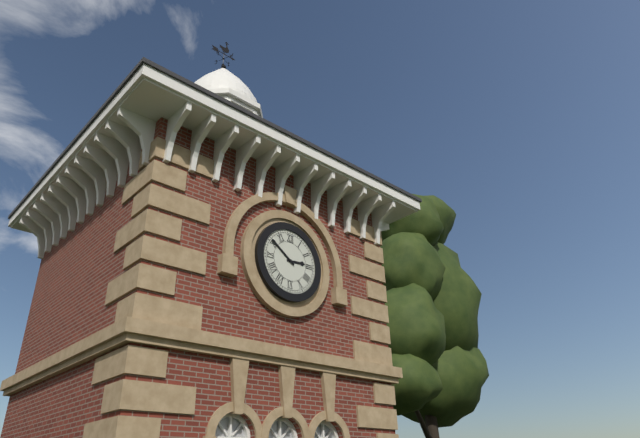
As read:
{"hour": 2, "minute": 51}
